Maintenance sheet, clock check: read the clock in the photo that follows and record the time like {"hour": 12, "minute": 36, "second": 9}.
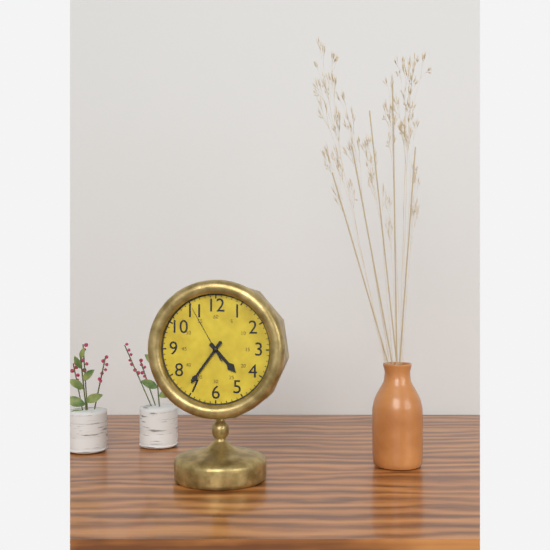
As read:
{"hour": 4, "minute": 36, "second": 55}
